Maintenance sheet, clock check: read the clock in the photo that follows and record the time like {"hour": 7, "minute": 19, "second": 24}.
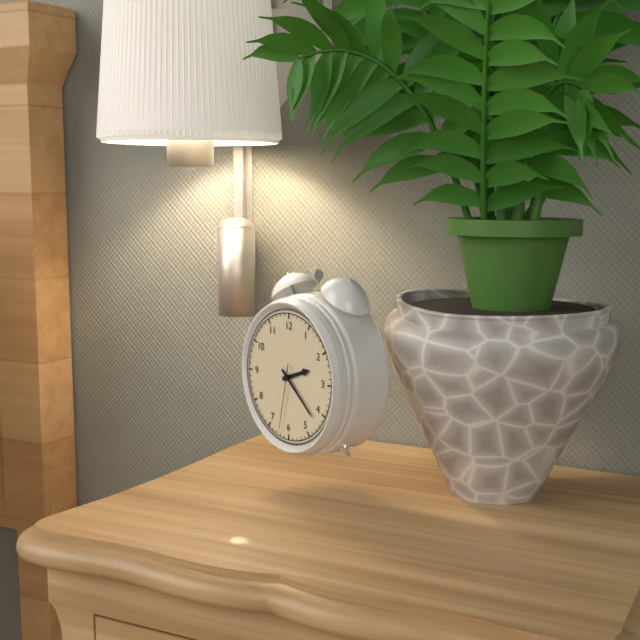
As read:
{"hour": 2, "minute": 22, "second": 32}
